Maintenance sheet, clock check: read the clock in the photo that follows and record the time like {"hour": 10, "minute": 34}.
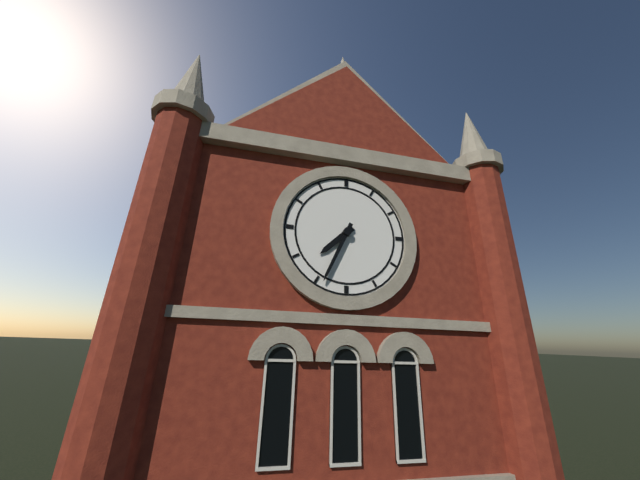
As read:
{"hour": 7, "minute": 34}
